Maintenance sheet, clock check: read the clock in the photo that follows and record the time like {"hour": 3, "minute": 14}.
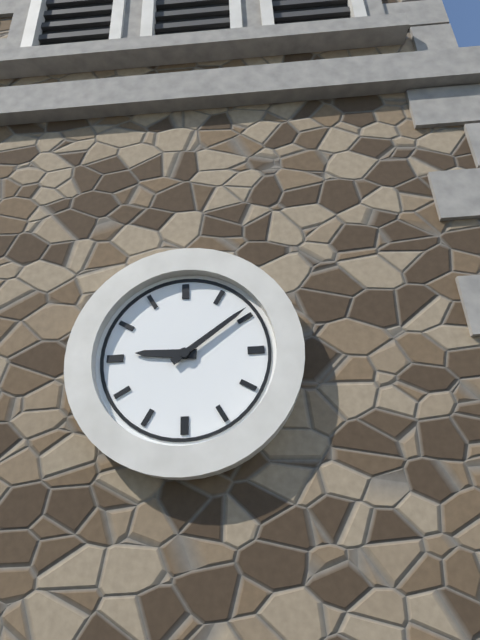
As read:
{"hour": 9, "minute": 9}
